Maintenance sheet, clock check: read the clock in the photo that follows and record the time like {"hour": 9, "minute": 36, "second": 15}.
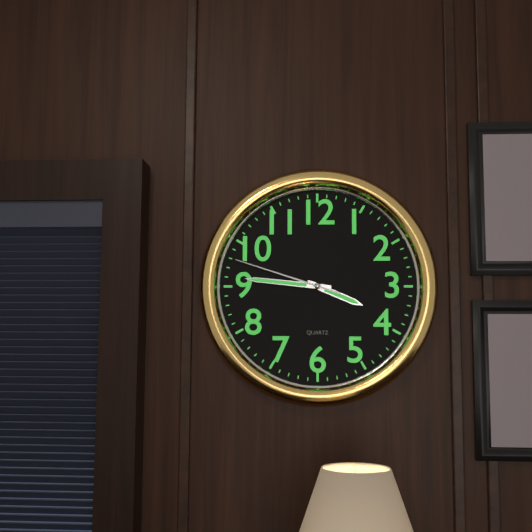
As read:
{"hour": 3, "minute": 46, "second": 48}
